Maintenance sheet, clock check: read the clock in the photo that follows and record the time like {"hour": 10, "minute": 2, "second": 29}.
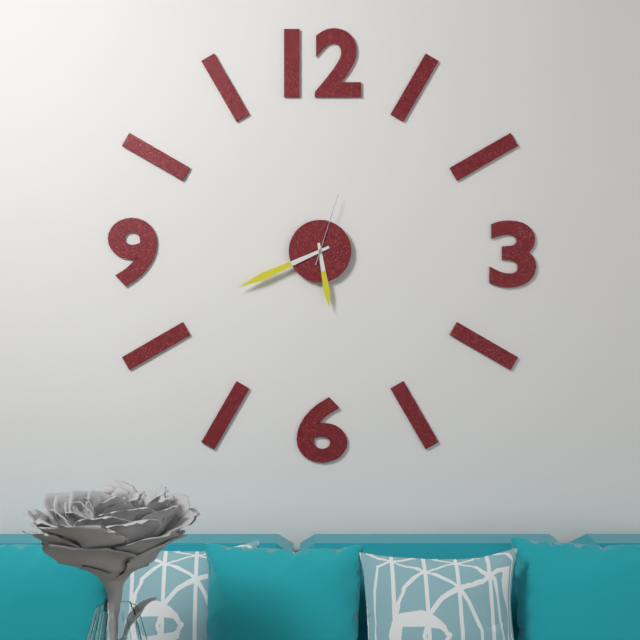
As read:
{"hour": 5, "minute": 41, "second": 3}
